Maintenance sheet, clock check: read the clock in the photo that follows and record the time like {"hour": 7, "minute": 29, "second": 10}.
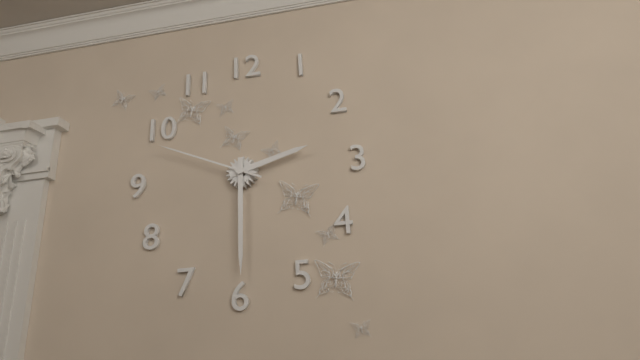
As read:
{"hour": 2, "minute": 30, "second": 49}
